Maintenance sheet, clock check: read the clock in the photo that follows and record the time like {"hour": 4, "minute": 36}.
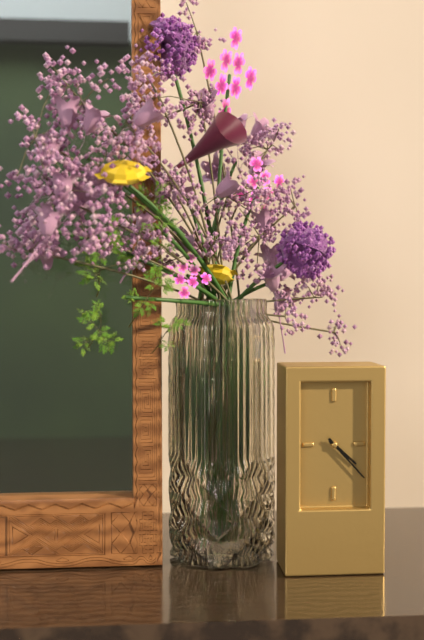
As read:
{"hour": 4, "minute": 23}
